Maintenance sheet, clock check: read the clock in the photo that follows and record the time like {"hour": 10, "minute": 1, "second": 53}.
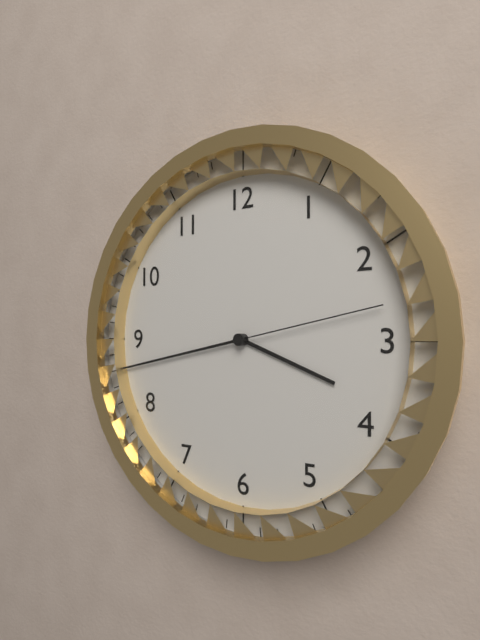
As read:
{"hour": 3, "minute": 43, "second": 13}
